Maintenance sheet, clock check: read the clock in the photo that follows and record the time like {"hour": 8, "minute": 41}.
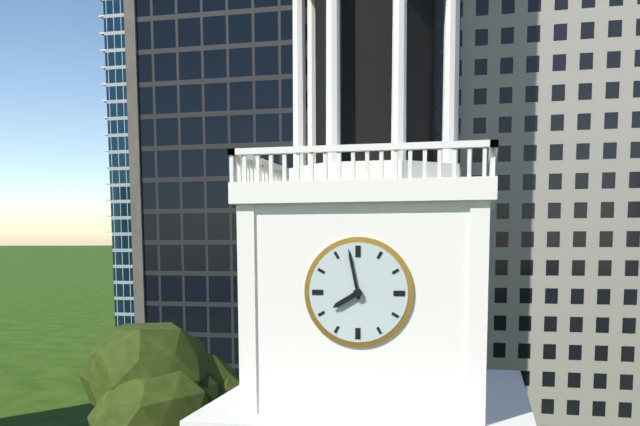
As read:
{"hour": 7, "minute": 58}
